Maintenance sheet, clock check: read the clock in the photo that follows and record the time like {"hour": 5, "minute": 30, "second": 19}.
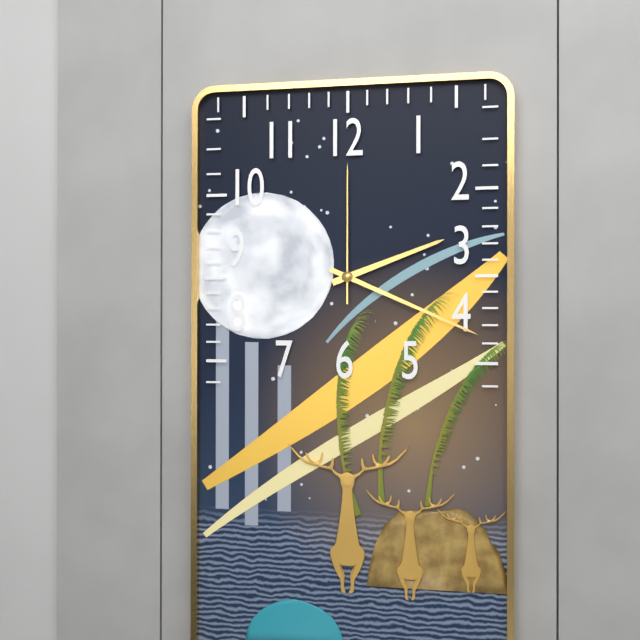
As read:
{"hour": 2, "minute": 19, "second": 0}
